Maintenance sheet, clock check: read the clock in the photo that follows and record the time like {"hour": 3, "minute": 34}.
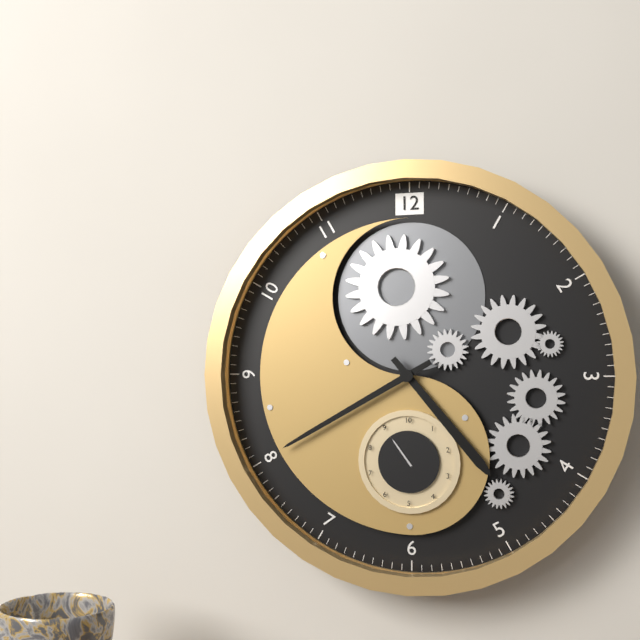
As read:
{"hour": 4, "minute": 40}
